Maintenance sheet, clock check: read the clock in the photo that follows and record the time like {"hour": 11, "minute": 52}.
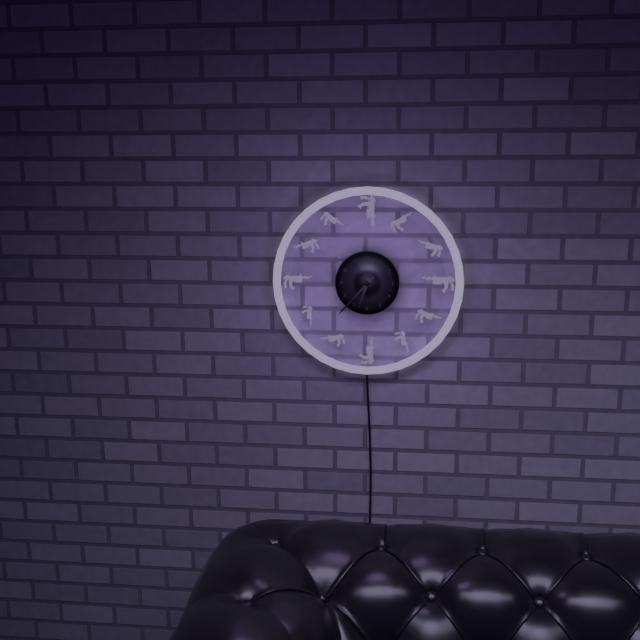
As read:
{"hour": 6, "minute": 37}
